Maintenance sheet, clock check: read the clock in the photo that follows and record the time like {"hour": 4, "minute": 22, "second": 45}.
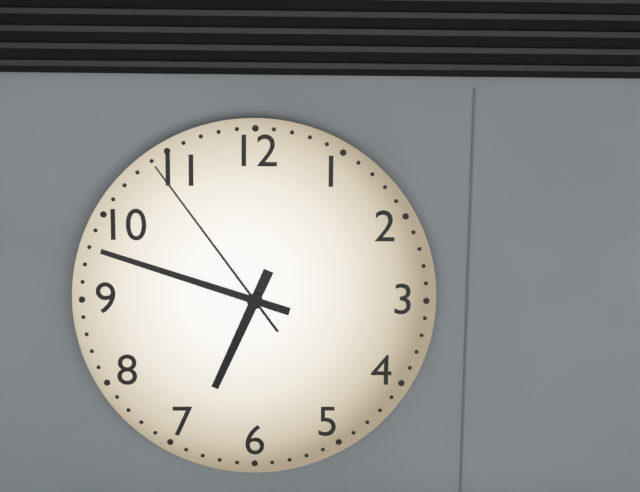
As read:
{"hour": 6, "minute": 48, "second": 54}
